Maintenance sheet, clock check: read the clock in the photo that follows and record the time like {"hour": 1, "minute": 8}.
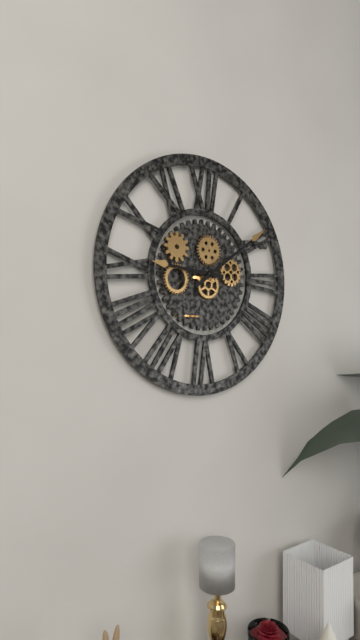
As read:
{"hour": 9, "minute": 9}
